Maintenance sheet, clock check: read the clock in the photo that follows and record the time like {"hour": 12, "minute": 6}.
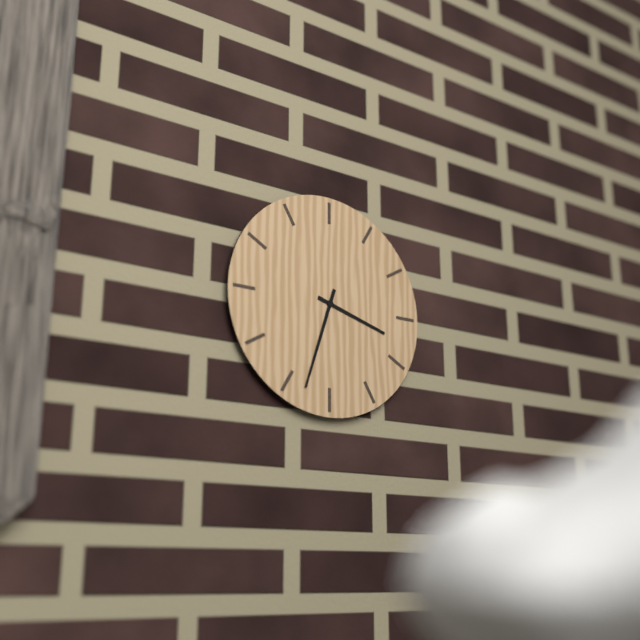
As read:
{"hour": 3, "minute": 33}
